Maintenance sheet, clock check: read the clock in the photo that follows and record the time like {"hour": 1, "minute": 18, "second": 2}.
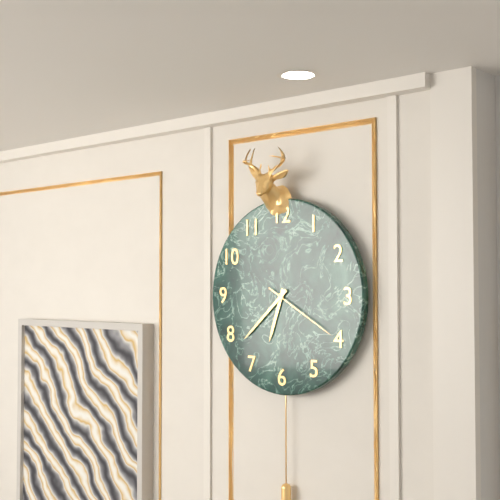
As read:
{"hour": 6, "minute": 38, "second": 20}
